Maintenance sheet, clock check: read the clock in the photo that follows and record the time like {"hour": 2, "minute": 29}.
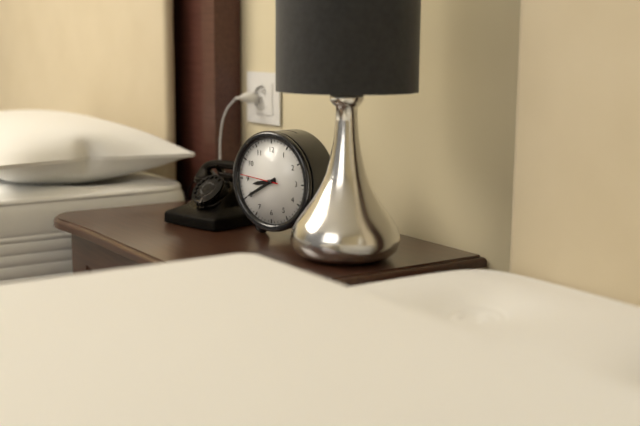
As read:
{"hour": 8, "minute": 40}
